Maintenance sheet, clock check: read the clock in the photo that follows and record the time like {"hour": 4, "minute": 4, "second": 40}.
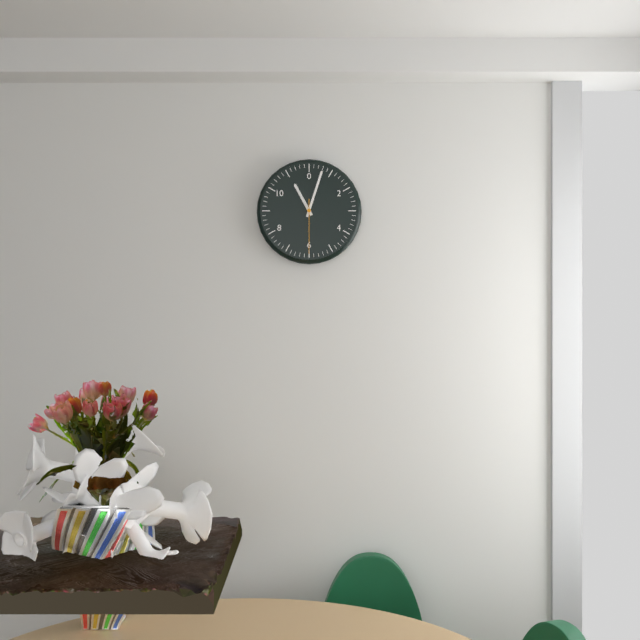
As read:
{"hour": 11, "minute": 3, "second": 30}
